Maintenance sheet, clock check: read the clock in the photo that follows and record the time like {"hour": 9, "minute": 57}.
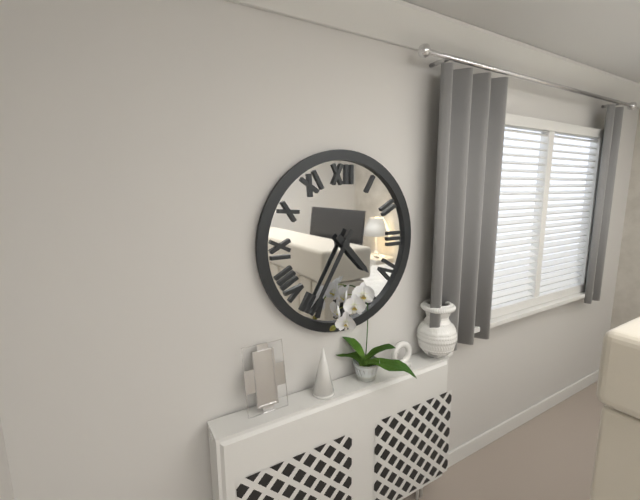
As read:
{"hour": 4, "minute": 35}
